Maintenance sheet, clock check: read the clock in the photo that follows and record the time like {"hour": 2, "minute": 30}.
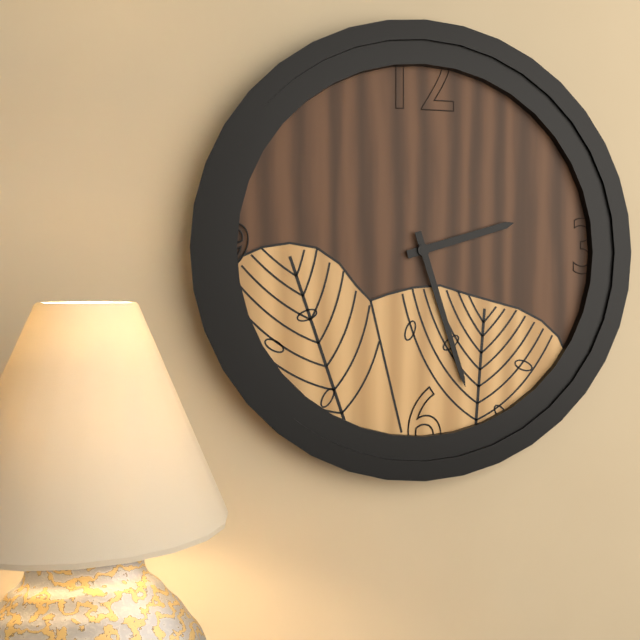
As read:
{"hour": 2, "minute": 27}
